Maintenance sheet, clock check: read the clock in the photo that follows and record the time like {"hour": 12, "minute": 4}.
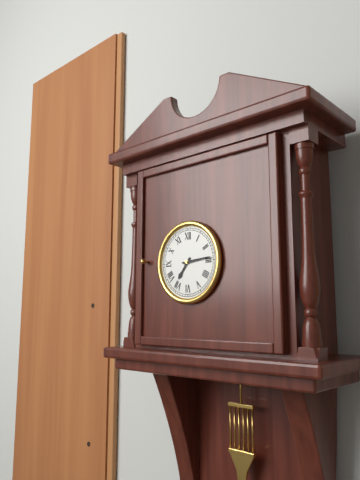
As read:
{"hour": 7, "minute": 14}
